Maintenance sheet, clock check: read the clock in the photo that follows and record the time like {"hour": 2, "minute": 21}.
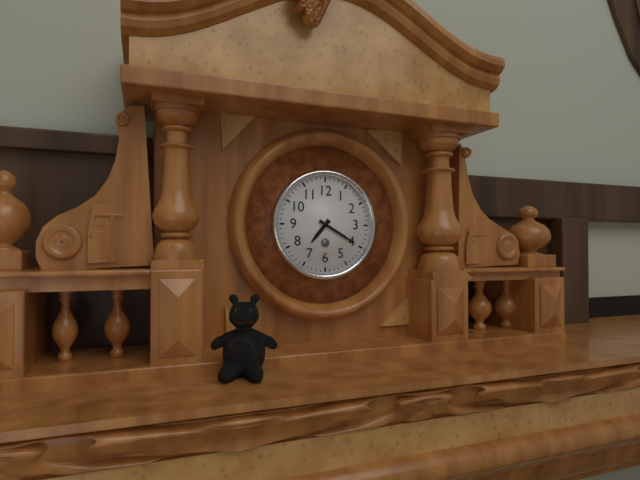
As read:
{"hour": 7, "minute": 20}
